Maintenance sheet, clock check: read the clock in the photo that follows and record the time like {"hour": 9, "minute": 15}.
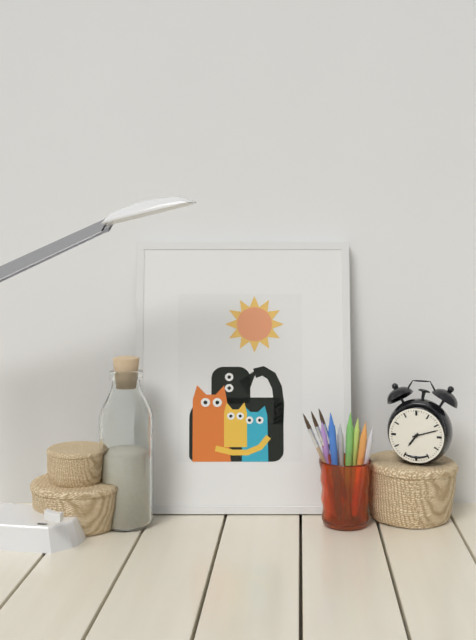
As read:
{"hour": 7, "minute": 12}
